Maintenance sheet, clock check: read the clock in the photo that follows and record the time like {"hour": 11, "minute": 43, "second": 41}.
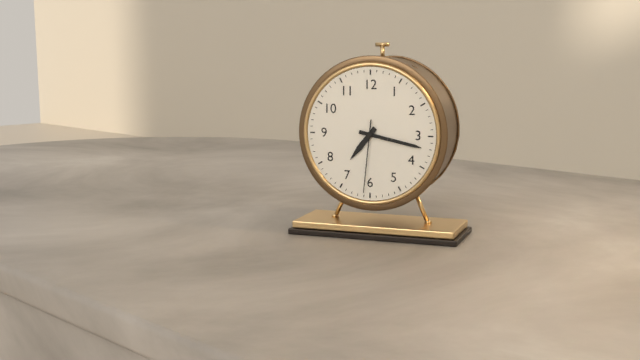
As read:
{"hour": 7, "minute": 17, "second": 31}
